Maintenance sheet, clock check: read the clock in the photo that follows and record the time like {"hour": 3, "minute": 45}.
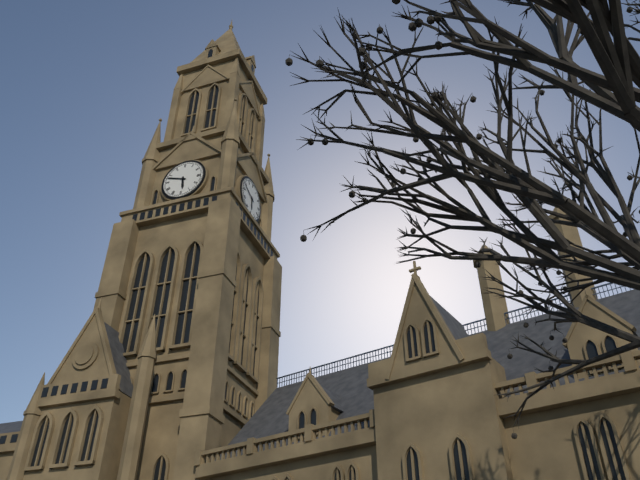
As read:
{"hour": 5, "minute": 48}
